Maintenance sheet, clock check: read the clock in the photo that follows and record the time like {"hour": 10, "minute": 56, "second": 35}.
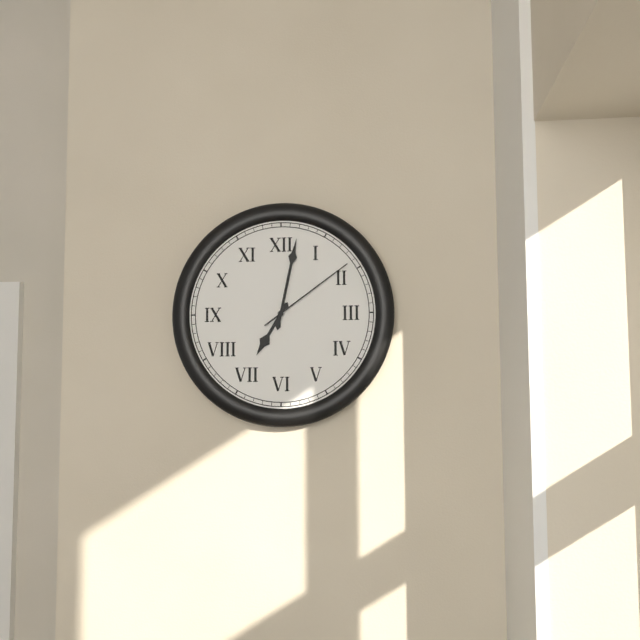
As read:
{"hour": 7, "minute": 2, "second": 9}
